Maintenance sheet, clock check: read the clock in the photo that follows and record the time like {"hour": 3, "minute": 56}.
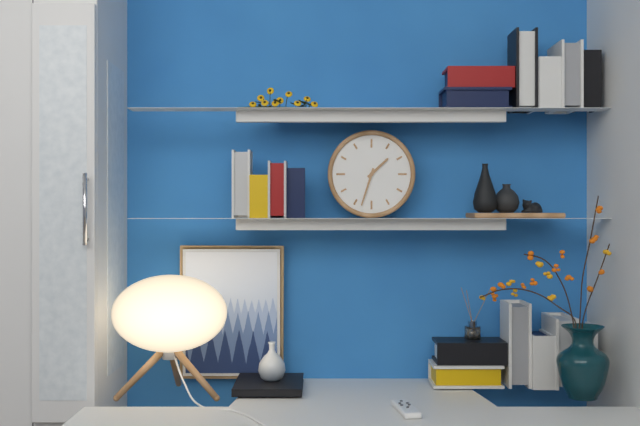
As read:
{"hour": 1, "minute": 33}
